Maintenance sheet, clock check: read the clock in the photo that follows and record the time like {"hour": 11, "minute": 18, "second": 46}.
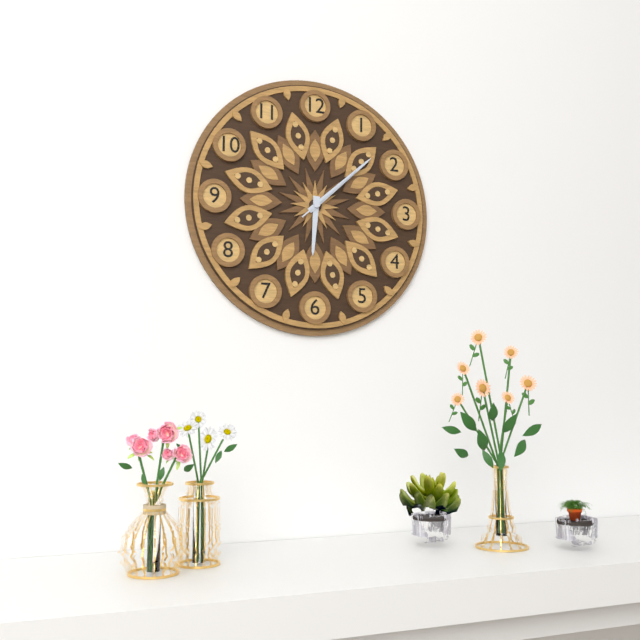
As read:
{"hour": 6, "minute": 8, "second": 8}
